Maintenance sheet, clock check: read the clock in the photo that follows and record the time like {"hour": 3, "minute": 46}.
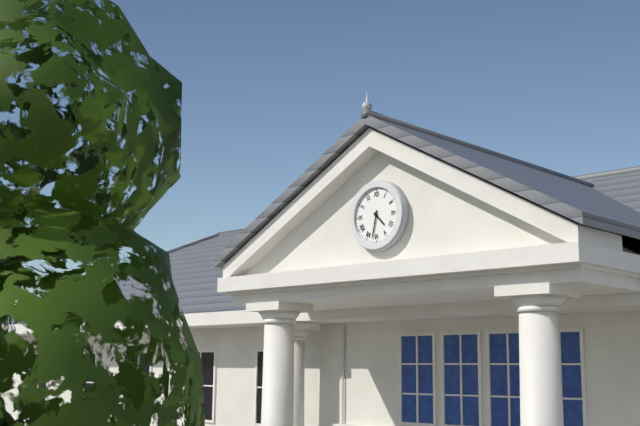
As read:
{"hour": 4, "minute": 32}
